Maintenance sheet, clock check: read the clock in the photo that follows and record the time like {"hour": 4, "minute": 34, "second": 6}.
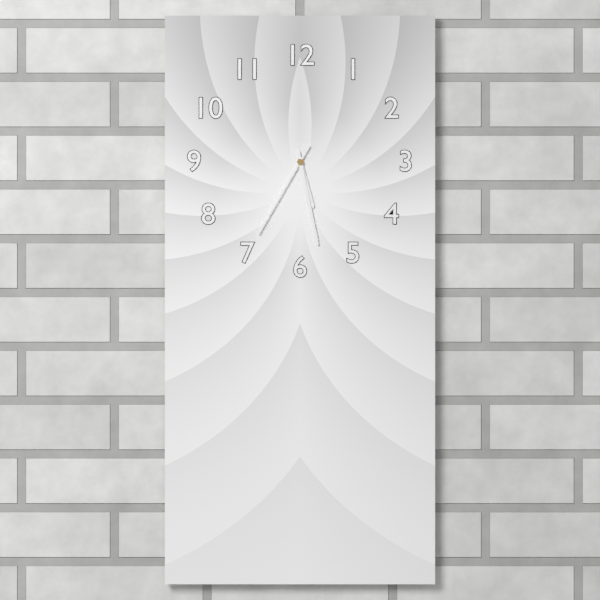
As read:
{"hour": 5, "minute": 28, "second": 35}
